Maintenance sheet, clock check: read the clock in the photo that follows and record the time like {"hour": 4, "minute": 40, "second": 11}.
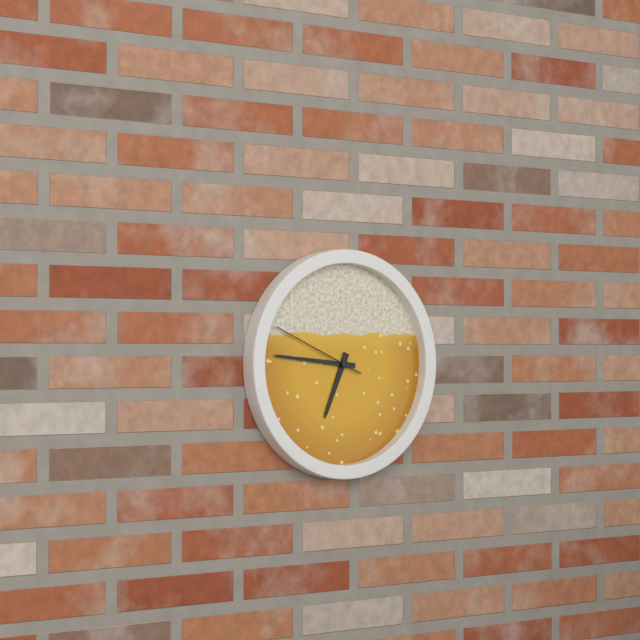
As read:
{"hour": 6, "minute": 46, "second": 49}
